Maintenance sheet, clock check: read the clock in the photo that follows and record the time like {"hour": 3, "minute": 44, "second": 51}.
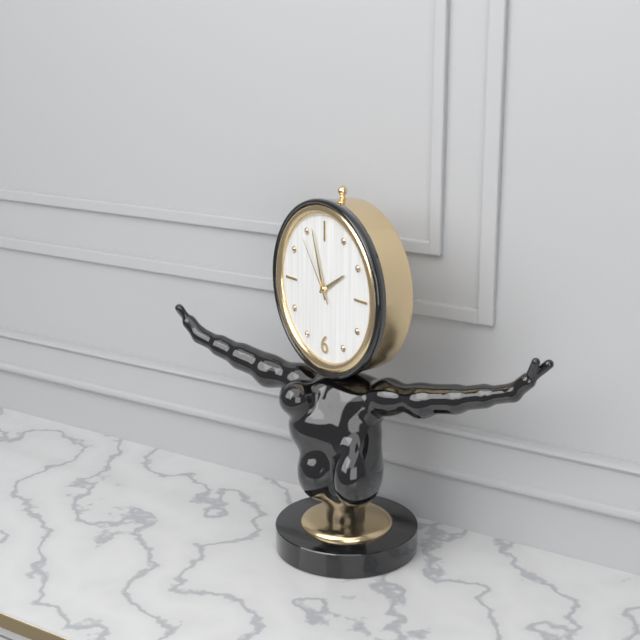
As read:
{"hour": 1, "minute": 57, "second": 54}
